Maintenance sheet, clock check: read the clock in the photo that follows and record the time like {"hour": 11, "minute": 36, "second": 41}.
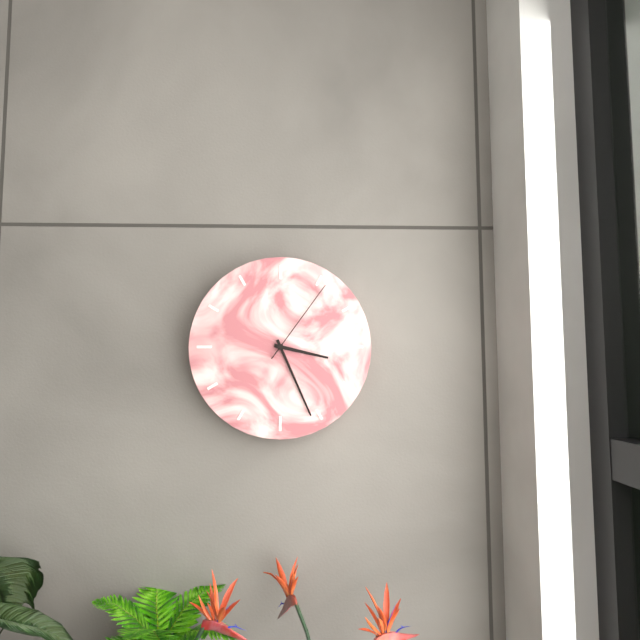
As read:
{"hour": 3, "minute": 26, "second": 6}
